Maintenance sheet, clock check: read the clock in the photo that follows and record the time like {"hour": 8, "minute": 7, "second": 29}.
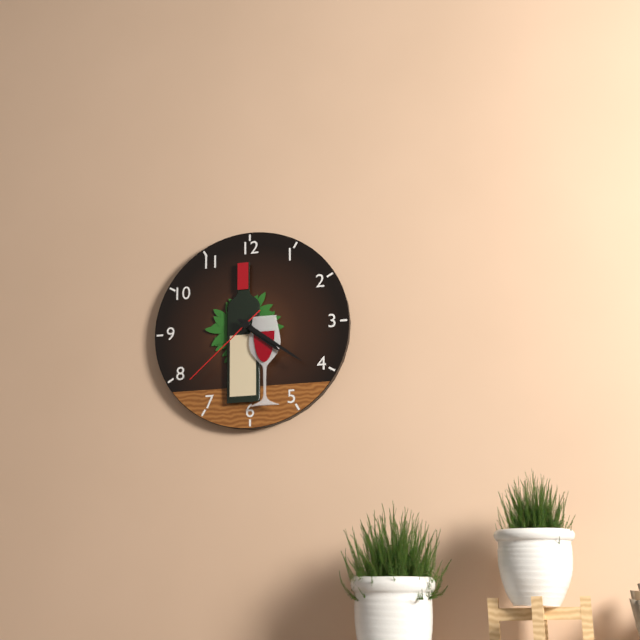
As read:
{"hour": 4, "minute": 21, "second": 38}
